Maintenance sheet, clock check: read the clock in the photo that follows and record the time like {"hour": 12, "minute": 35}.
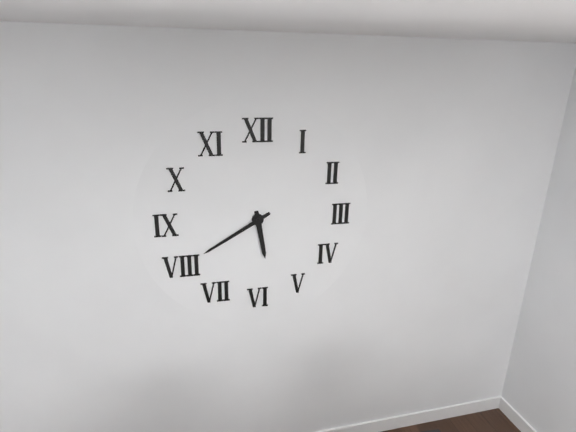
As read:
{"hour": 5, "minute": 40}
